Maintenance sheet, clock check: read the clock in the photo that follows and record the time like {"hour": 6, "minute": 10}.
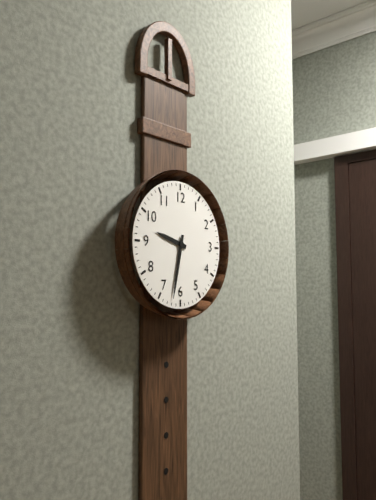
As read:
{"hour": 9, "minute": 32}
